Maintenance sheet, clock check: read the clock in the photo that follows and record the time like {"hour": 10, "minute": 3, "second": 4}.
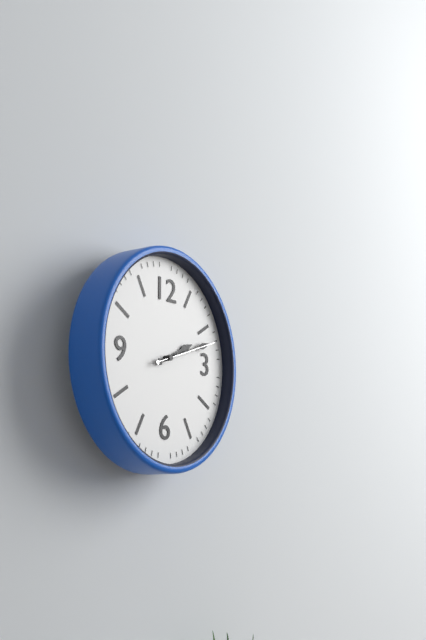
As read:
{"hour": 2, "minute": 12, "second": 12}
